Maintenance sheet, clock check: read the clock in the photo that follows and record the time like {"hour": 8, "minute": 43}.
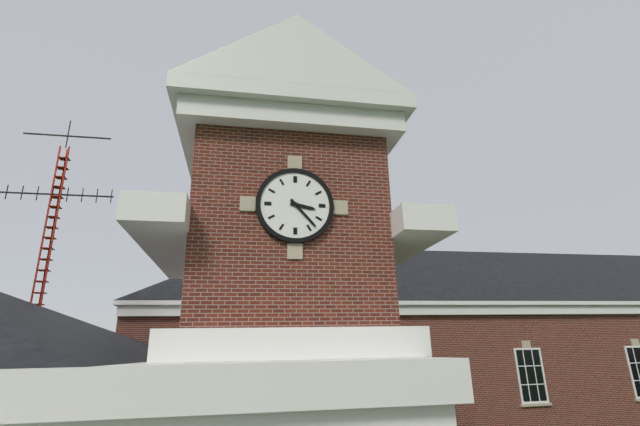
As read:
{"hour": 3, "minute": 23}
